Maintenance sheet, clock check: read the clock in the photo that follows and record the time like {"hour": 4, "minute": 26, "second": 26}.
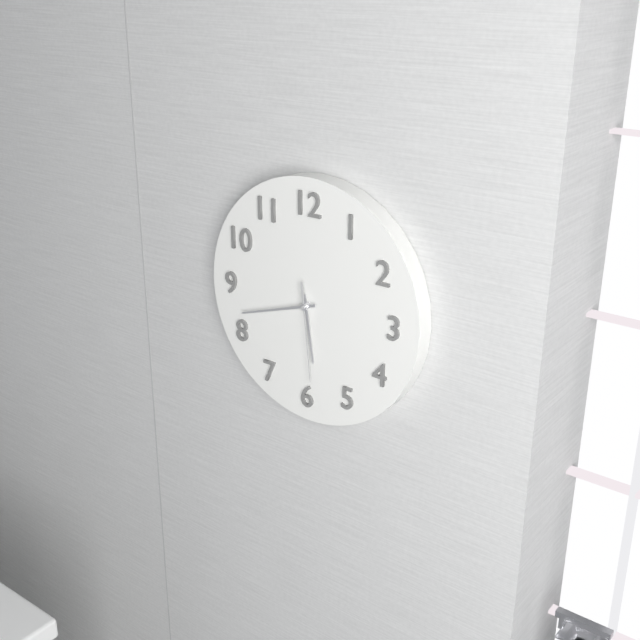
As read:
{"hour": 5, "minute": 42, "second": 29}
